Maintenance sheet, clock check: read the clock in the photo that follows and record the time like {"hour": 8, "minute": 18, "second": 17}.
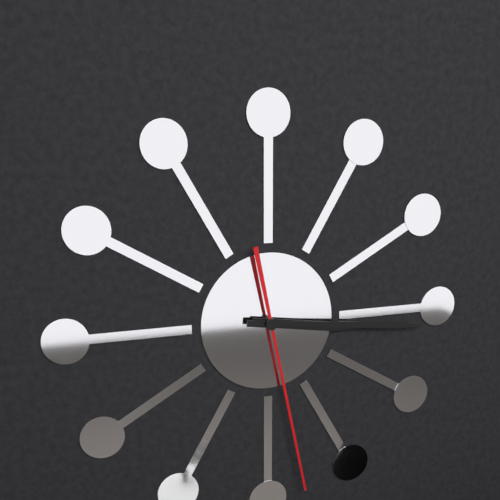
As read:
{"hour": 3, "minute": 16, "second": 28}
